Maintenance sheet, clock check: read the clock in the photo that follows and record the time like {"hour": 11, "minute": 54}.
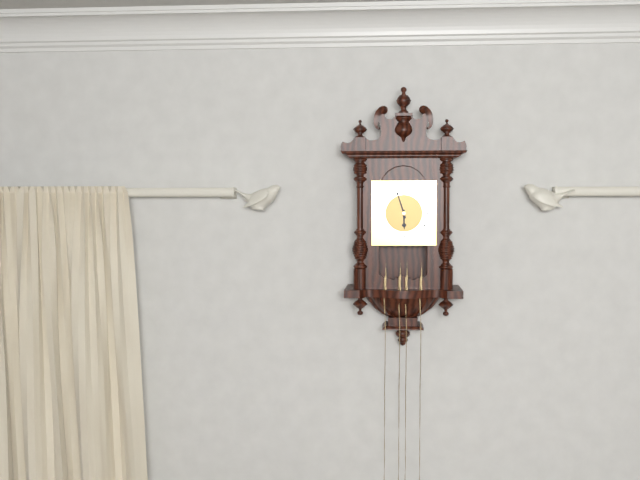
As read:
{"hour": 5, "minute": 57}
